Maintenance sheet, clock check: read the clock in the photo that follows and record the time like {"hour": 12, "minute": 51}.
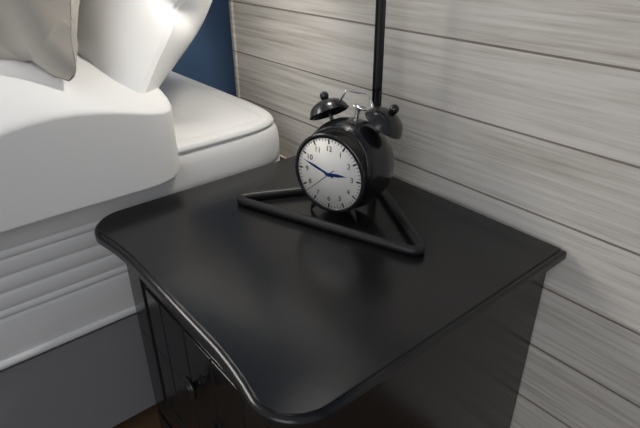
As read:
{"hour": 2, "minute": 48}
